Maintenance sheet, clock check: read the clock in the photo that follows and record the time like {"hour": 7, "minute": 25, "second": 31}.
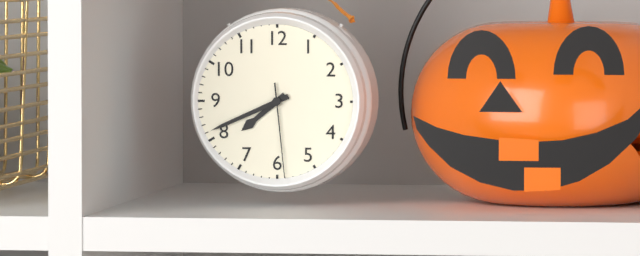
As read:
{"hour": 7, "minute": 41, "second": 29}
